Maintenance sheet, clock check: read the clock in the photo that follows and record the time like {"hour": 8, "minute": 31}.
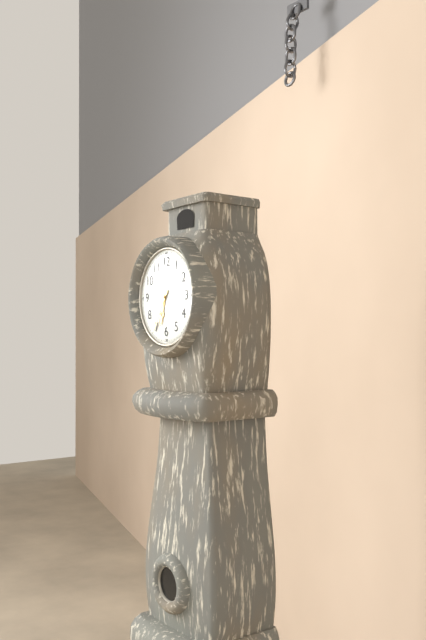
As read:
{"hour": 6, "minute": 35}
